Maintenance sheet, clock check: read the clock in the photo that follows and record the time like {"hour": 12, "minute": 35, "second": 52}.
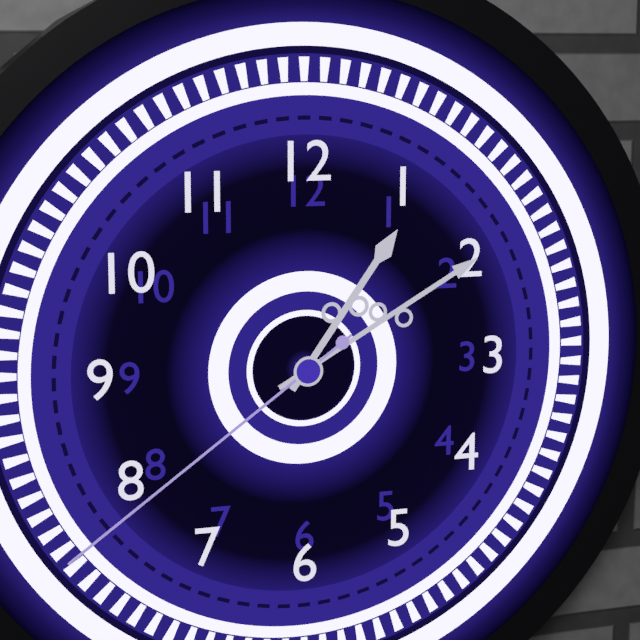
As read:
{"hour": 1, "minute": 10, "second": 39}
